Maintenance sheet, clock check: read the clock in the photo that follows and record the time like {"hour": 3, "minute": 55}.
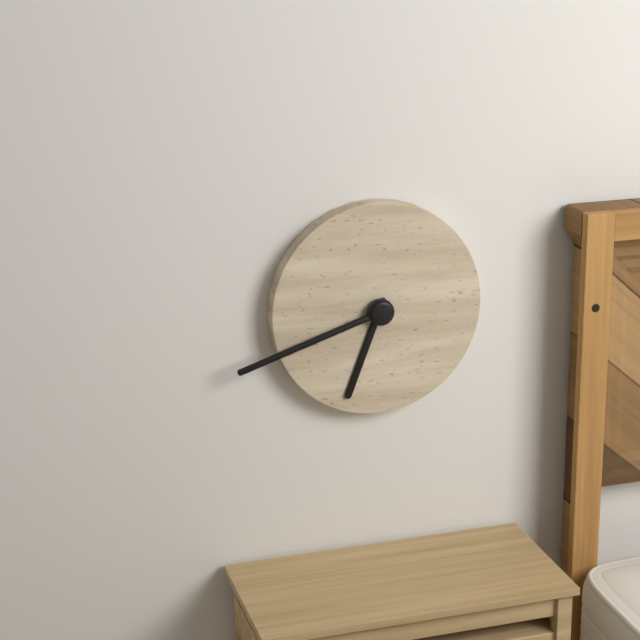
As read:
{"hour": 6, "minute": 42}
